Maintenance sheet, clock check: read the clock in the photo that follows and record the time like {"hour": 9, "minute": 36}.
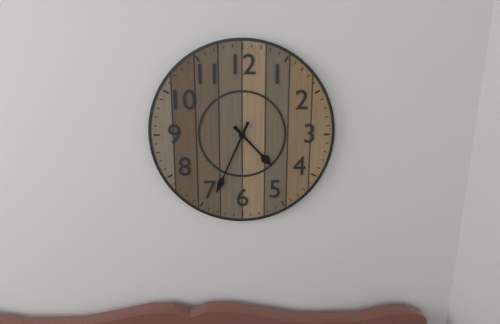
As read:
{"hour": 4, "minute": 34}
